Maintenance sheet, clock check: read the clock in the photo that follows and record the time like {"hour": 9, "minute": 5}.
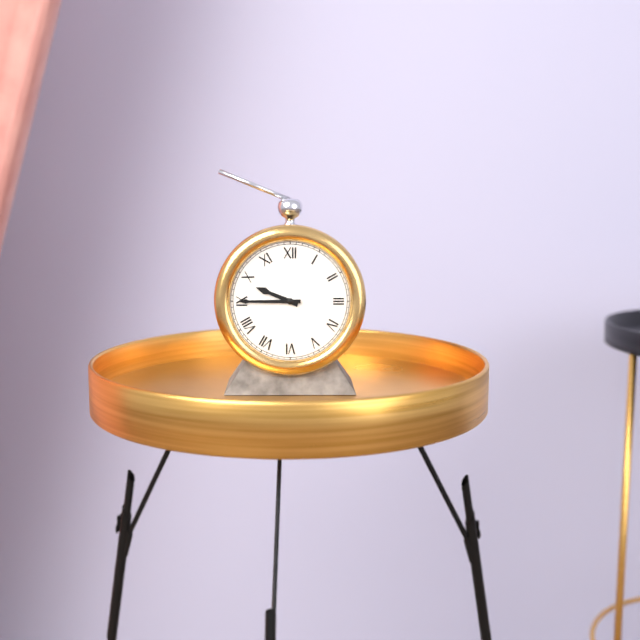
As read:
{"hour": 9, "minute": 45}
